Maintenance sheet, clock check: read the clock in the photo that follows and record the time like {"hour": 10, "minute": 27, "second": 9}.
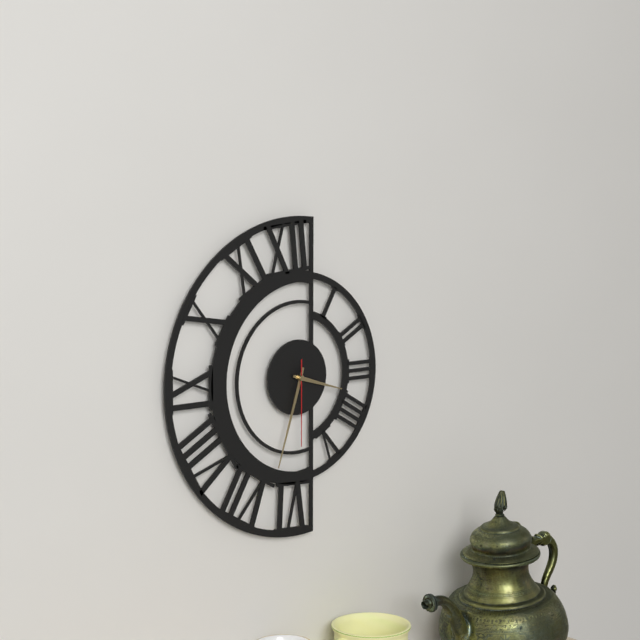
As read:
{"hour": 3, "minute": 33, "second": 30}
